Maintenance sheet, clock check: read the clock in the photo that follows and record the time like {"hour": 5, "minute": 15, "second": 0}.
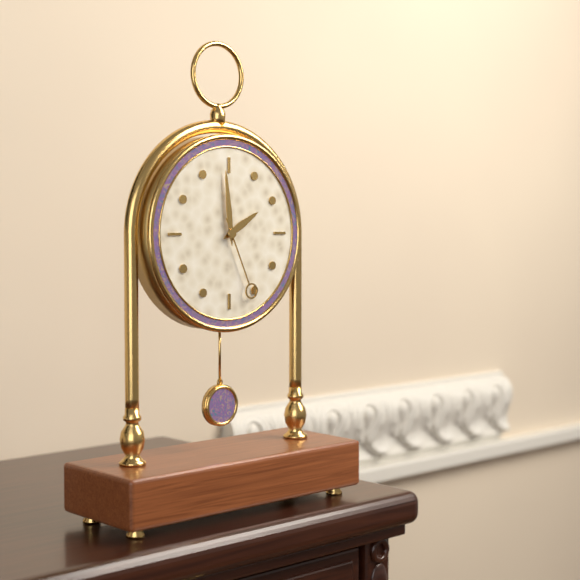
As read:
{"hour": 1, "minute": 59, "second": 26}
